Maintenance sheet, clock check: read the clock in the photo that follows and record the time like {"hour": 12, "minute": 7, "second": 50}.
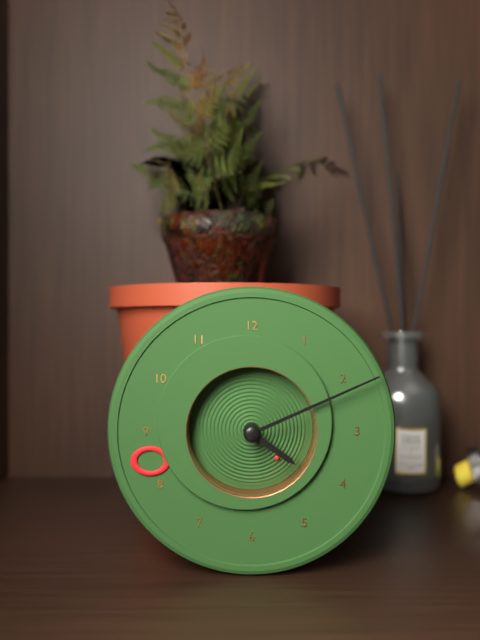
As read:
{"hour": 4, "minute": 11, "second": 23}
